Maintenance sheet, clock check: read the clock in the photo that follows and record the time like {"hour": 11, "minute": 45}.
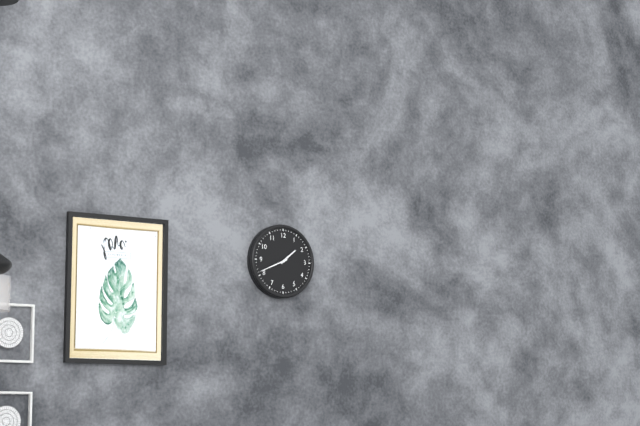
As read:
{"hour": 1, "minute": 41}
